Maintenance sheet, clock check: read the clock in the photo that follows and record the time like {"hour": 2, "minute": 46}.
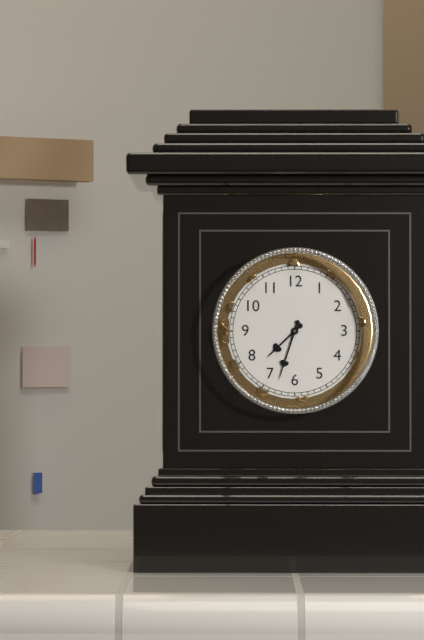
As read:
{"hour": 7, "minute": 33}
